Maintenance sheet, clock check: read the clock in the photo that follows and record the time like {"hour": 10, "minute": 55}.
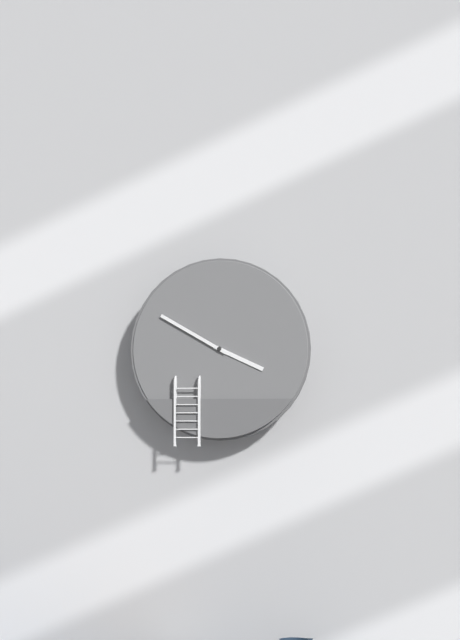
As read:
{"hour": 3, "minute": 50}
